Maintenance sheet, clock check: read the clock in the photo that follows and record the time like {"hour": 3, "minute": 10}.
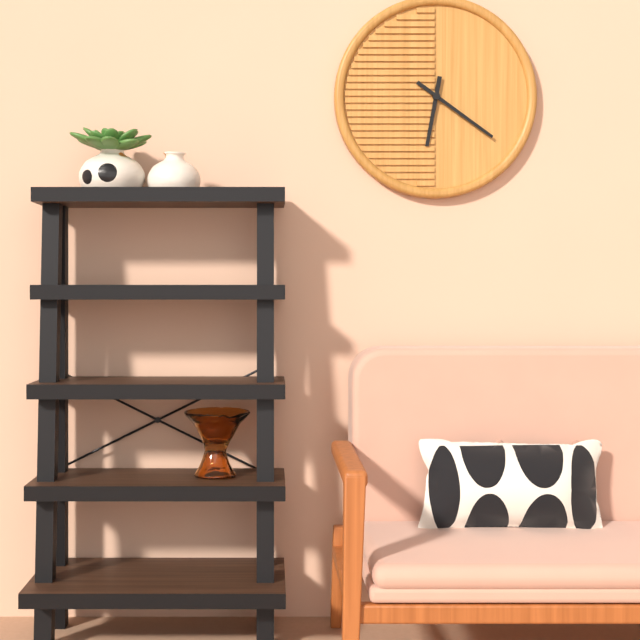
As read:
{"hour": 6, "minute": 21}
